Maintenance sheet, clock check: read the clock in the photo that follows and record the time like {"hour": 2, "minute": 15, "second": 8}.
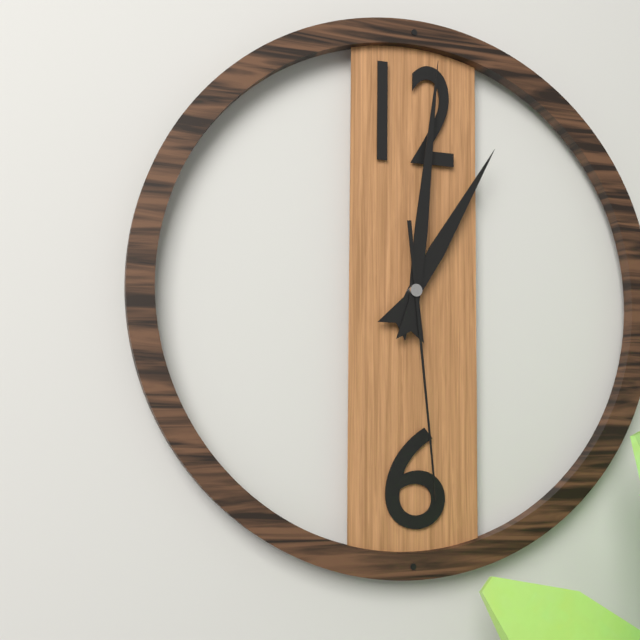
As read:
{"hour": 1, "minute": 1, "second": 29}
